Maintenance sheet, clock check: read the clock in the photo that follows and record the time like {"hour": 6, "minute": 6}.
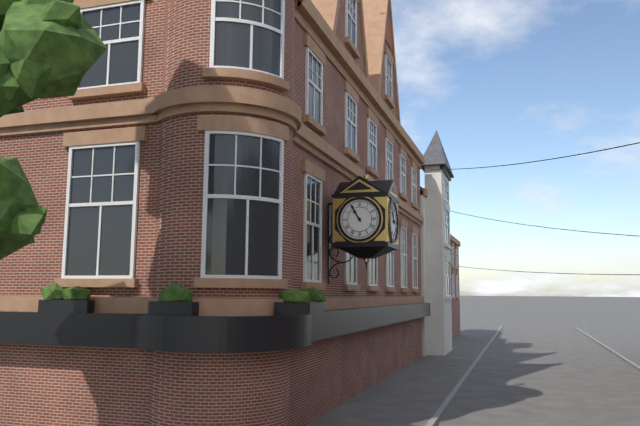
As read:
{"hour": 10, "minute": 55}
